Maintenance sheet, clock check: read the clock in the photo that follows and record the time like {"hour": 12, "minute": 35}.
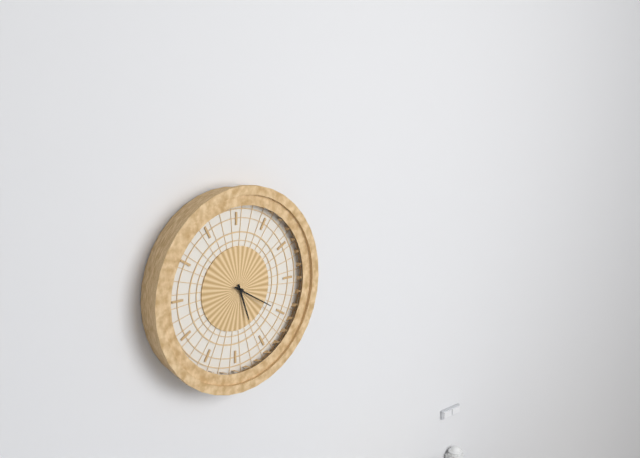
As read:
{"hour": 5, "minute": 20}
